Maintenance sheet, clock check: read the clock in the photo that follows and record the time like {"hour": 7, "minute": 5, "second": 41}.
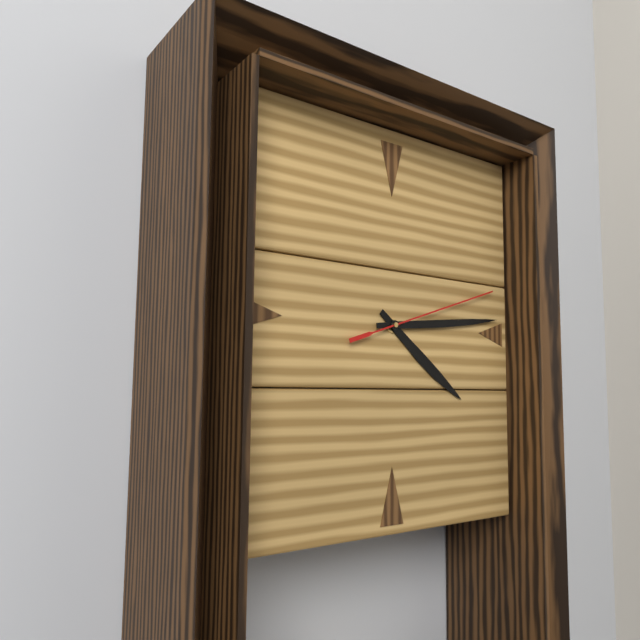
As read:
{"hour": 4, "minute": 14, "second": 12}
